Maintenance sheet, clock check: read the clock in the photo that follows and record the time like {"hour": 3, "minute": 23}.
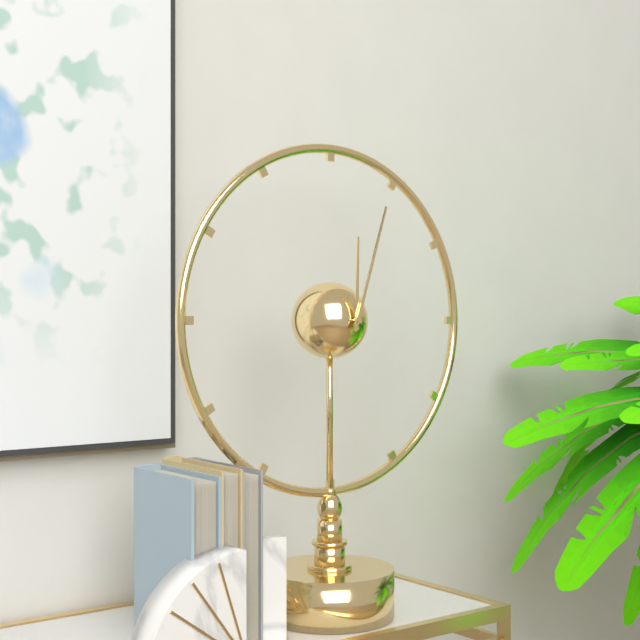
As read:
{"hour": 12, "minute": 3}
